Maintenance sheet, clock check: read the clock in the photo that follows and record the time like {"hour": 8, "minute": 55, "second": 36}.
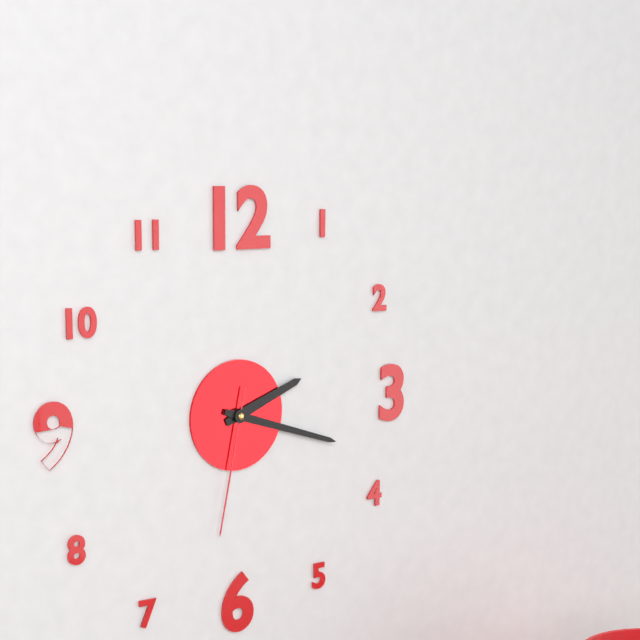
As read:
{"hour": 2, "minute": 18, "second": 32}
